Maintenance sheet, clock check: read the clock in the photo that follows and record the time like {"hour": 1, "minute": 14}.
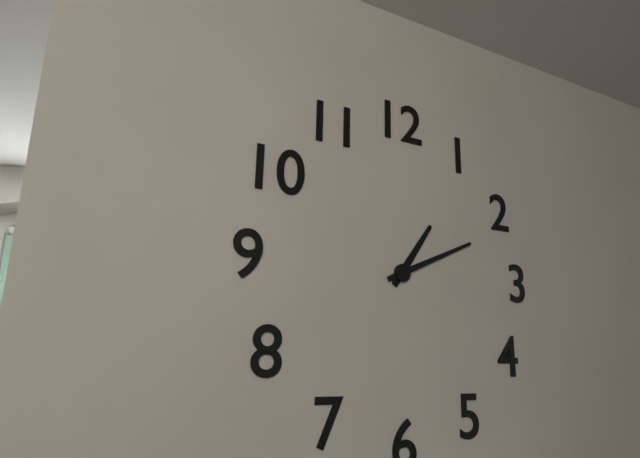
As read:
{"hour": 1, "minute": 11}
